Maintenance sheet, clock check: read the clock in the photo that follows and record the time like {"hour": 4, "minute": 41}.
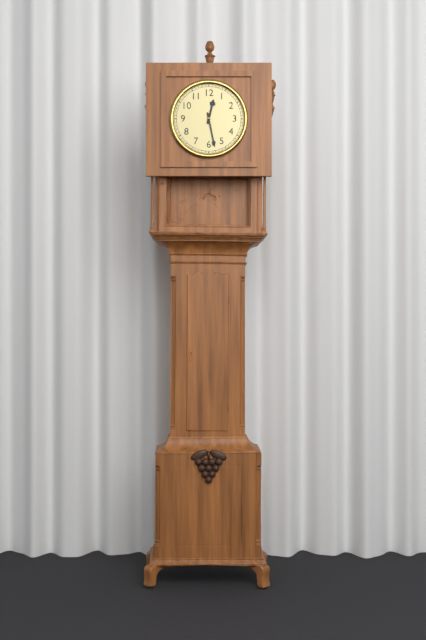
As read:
{"hour": 12, "minute": 28}
